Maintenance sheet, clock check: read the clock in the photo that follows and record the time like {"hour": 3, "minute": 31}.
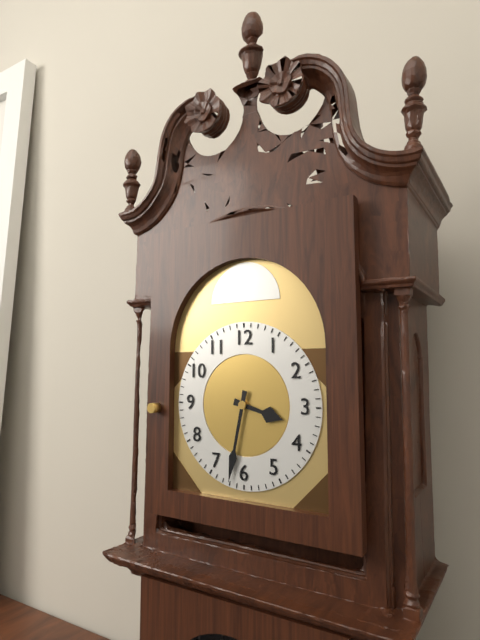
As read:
{"hour": 3, "minute": 32}
